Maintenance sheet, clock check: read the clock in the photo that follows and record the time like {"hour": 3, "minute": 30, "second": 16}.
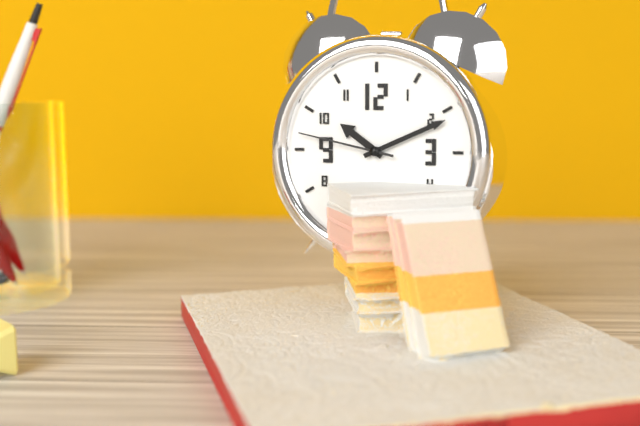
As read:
{"hour": 10, "minute": 11, "second": 47}
